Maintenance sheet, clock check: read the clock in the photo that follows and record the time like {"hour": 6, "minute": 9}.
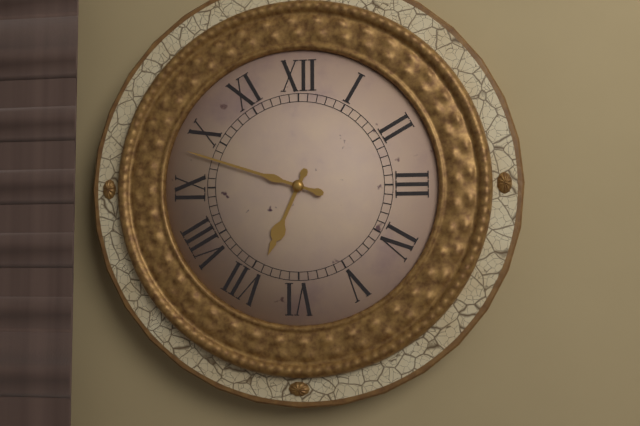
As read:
{"hour": 6, "minute": 48}
